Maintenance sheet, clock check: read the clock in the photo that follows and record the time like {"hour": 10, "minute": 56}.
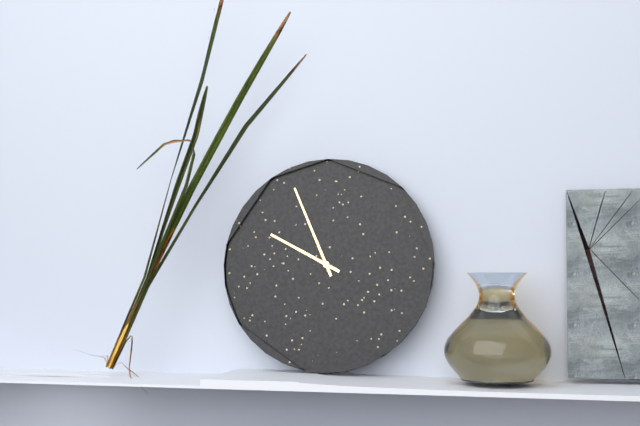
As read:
{"hour": 9, "minute": 56}
